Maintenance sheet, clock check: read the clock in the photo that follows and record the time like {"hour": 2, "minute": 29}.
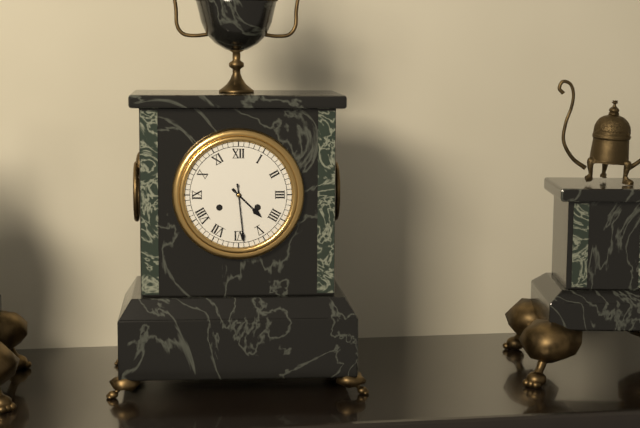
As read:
{"hour": 4, "minute": 29}
